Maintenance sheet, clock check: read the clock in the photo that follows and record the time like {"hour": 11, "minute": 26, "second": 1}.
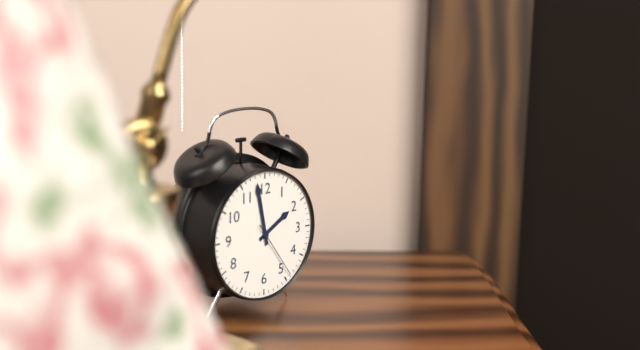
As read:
{"hour": 1, "minute": 58, "second": 24}
